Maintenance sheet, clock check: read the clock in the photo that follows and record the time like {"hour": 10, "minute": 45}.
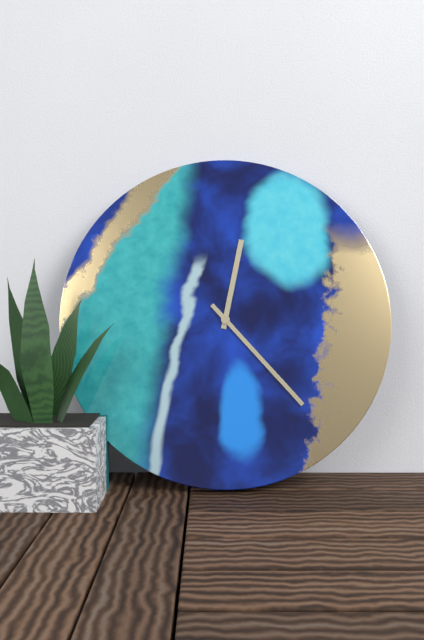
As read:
{"hour": 12, "minute": 23}
